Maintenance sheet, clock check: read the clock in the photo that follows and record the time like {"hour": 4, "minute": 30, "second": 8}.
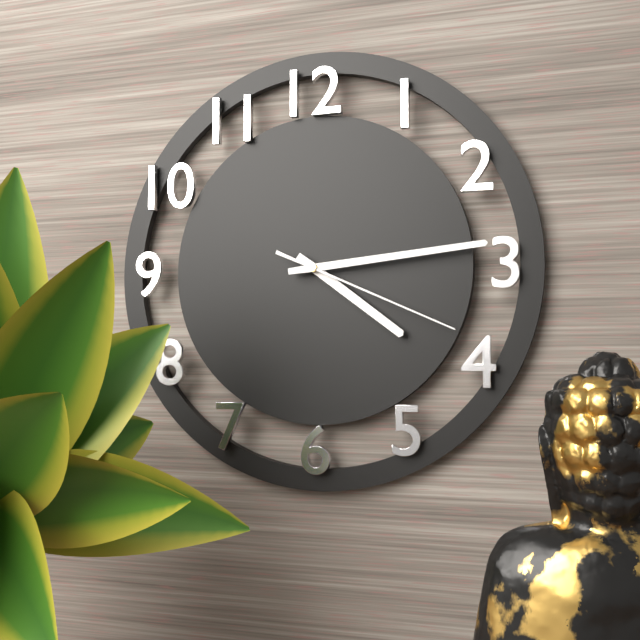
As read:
{"hour": 4, "minute": 14, "second": 19}
